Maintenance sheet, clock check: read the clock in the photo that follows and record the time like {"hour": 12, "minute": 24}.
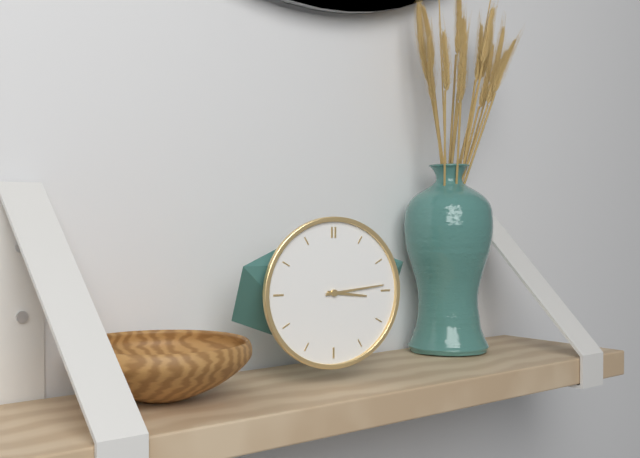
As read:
{"hour": 3, "minute": 14}
